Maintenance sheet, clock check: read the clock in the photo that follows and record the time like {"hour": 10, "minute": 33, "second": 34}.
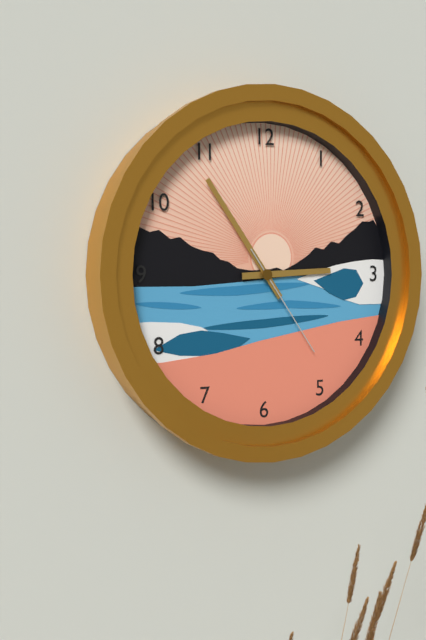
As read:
{"hour": 2, "minute": 54, "second": 24}
